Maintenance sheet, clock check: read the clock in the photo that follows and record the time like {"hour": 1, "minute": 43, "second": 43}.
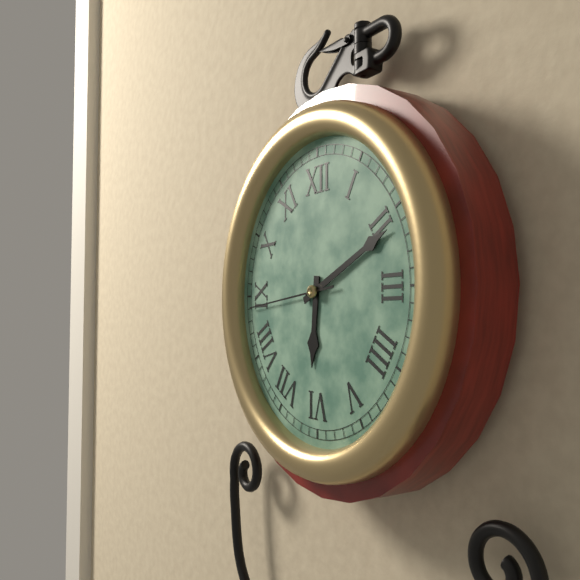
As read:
{"hour": 6, "minute": 11, "second": 44}
